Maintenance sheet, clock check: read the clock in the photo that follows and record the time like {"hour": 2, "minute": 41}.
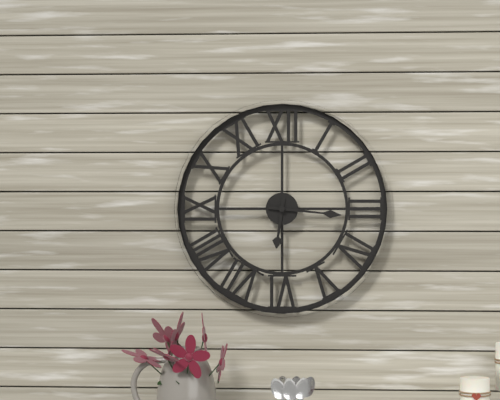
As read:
{"hour": 6, "minute": 16}
